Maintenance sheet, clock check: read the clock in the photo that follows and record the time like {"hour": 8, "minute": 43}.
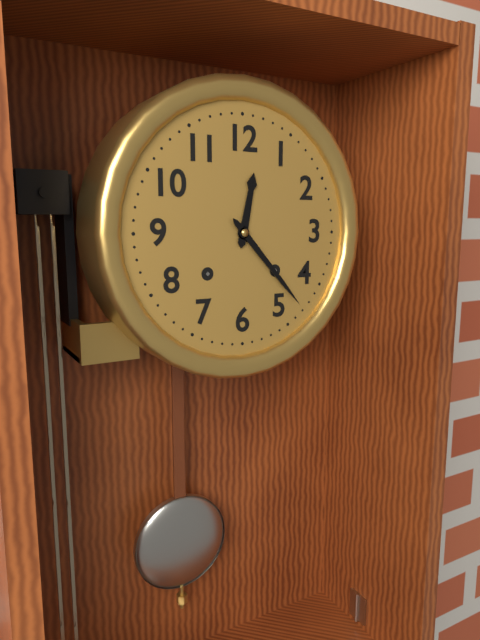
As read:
{"hour": 12, "minute": 23}
